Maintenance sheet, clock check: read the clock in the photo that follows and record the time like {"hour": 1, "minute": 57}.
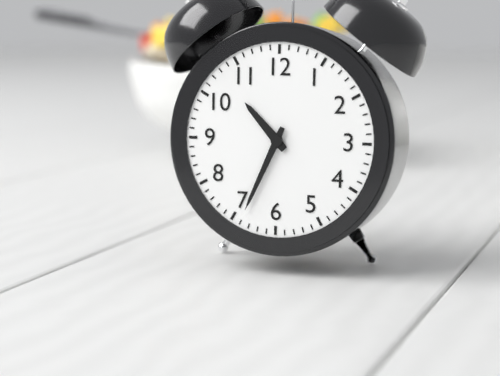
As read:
{"hour": 10, "minute": 34}
